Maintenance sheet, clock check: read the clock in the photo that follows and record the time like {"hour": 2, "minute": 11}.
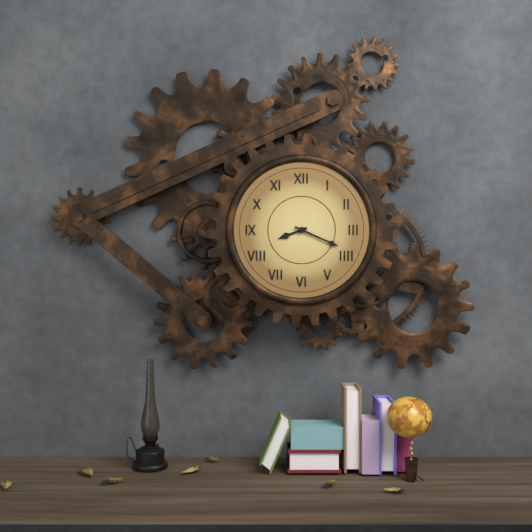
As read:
{"hour": 8, "minute": 19}
